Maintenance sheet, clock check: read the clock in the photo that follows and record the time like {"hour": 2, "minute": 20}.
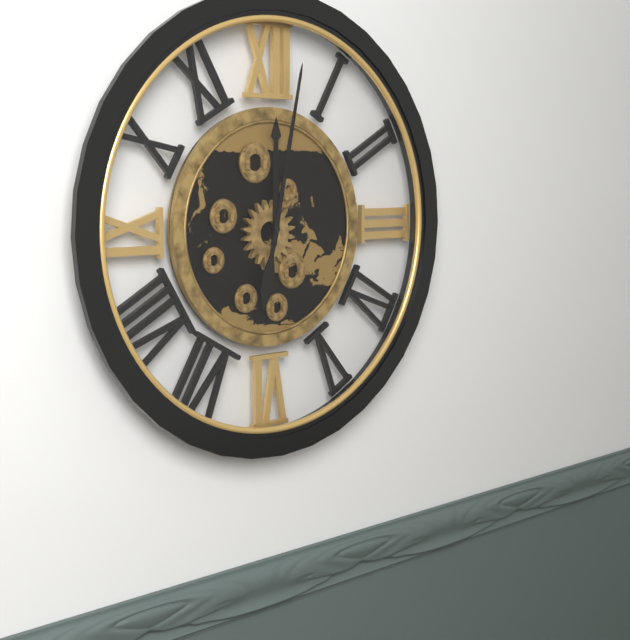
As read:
{"hour": 12, "minute": 2}
